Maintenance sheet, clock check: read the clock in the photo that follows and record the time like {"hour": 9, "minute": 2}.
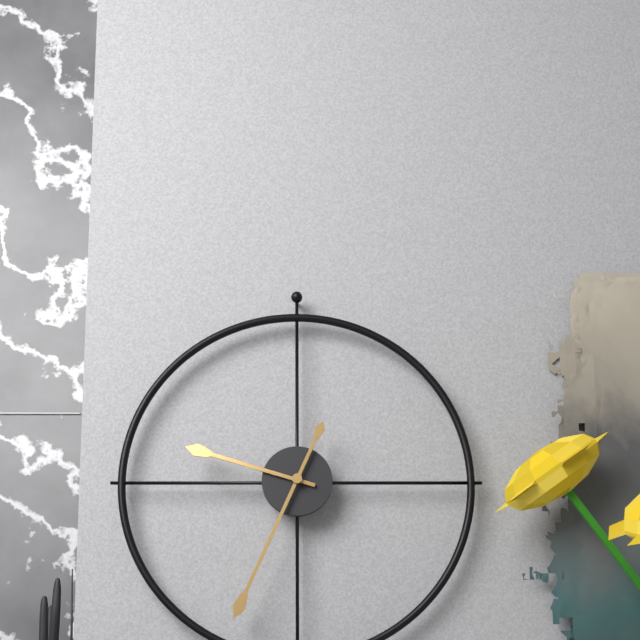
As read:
{"hour": 9, "minute": 34}
